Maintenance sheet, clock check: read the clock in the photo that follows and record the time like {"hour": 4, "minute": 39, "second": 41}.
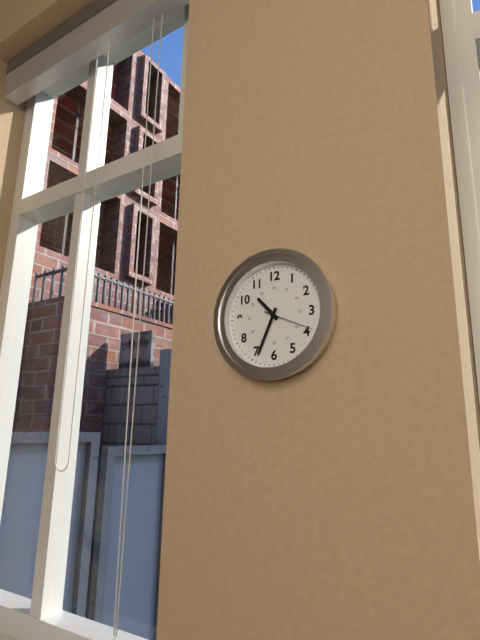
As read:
{"hour": 10, "minute": 34, "second": 19}
